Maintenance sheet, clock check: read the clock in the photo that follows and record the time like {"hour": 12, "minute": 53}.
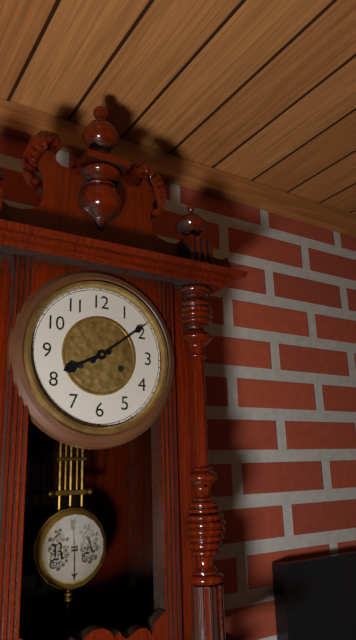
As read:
{"hour": 8, "minute": 9}
